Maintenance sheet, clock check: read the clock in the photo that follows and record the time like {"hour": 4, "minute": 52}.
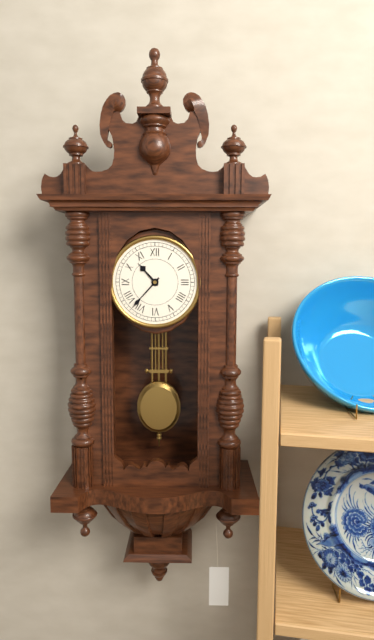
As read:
{"hour": 10, "minute": 37}
